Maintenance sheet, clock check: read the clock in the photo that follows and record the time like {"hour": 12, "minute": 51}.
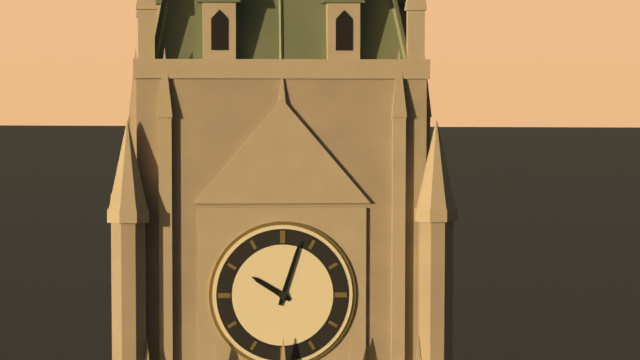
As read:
{"hour": 10, "minute": 3}
